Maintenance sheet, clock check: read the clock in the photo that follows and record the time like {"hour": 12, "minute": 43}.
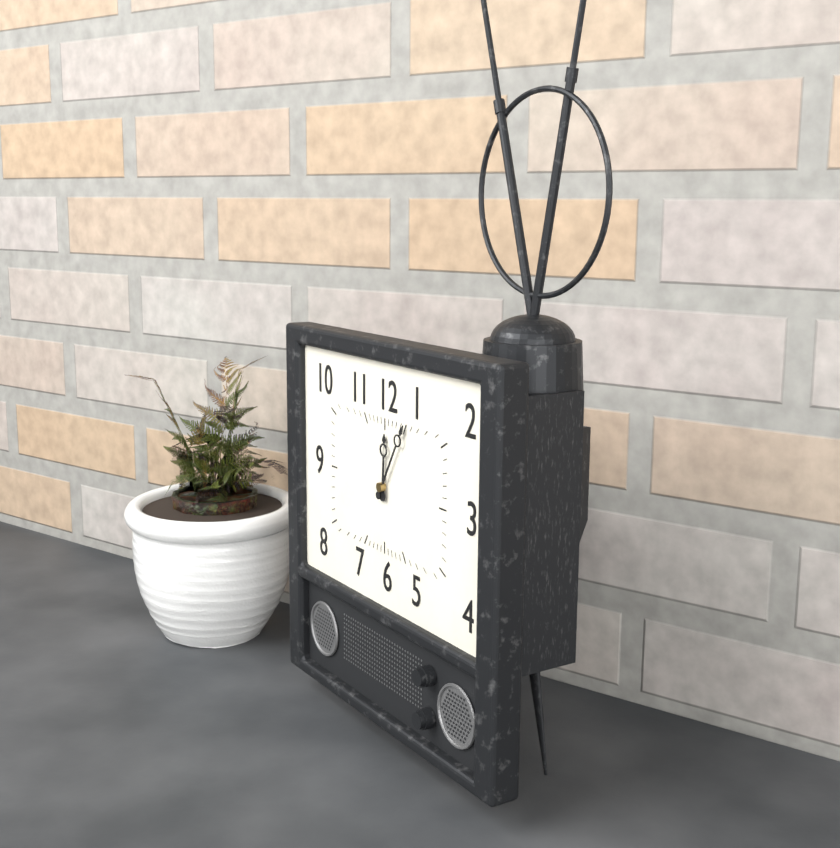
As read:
{"hour": 12, "minute": 5}
